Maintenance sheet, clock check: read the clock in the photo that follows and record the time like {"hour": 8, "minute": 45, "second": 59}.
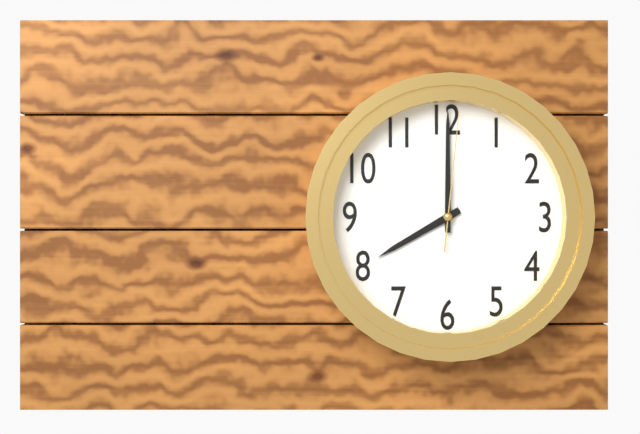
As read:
{"hour": 8, "minute": 0, "second": 1}
